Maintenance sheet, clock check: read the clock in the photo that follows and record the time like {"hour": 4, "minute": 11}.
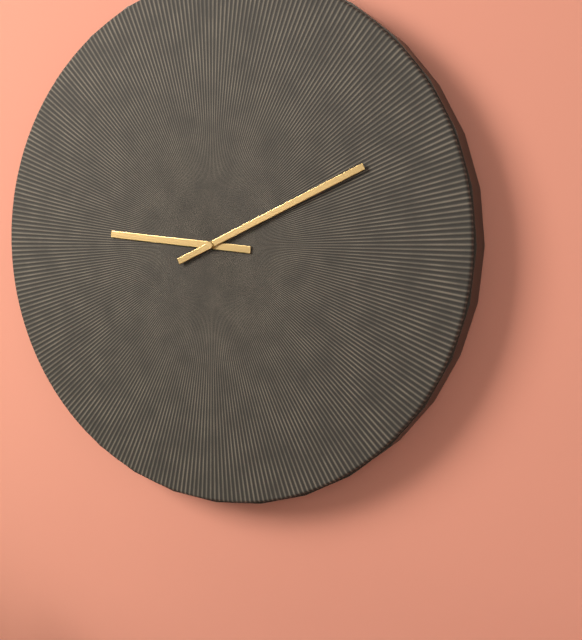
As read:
{"hour": 9, "minute": 11}
